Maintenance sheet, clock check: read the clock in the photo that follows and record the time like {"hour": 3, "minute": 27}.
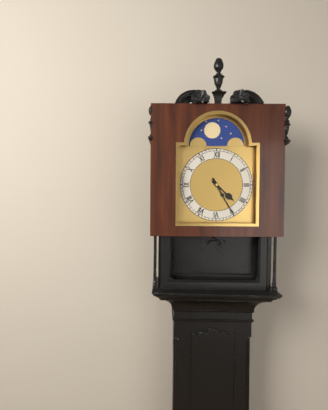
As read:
{"hour": 4, "minute": 25}
